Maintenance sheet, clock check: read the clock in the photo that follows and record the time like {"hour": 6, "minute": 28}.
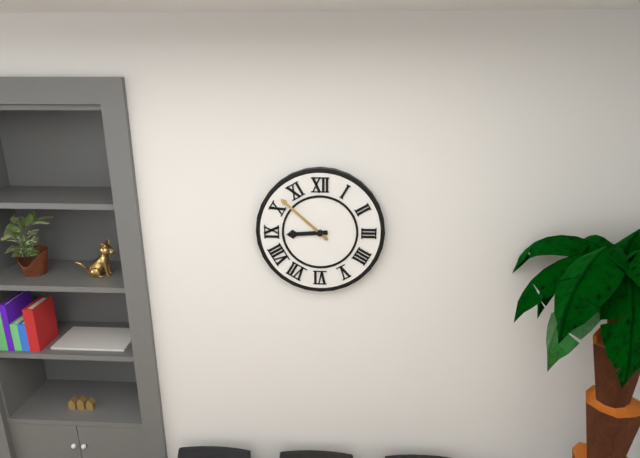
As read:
{"hour": 8, "minute": 52}
